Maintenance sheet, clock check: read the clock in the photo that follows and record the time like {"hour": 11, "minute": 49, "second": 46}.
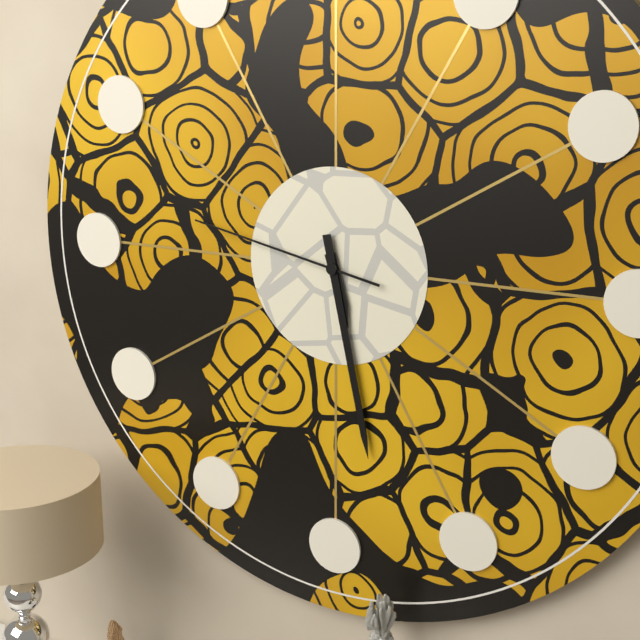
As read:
{"hour": 5, "minute": 28, "second": 47}
